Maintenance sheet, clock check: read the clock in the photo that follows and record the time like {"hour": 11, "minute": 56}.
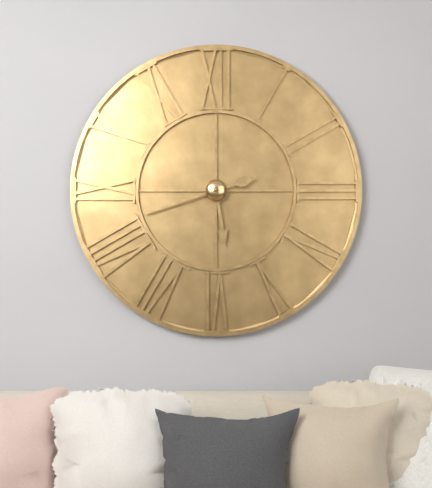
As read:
{"hour": 5, "minute": 42}
